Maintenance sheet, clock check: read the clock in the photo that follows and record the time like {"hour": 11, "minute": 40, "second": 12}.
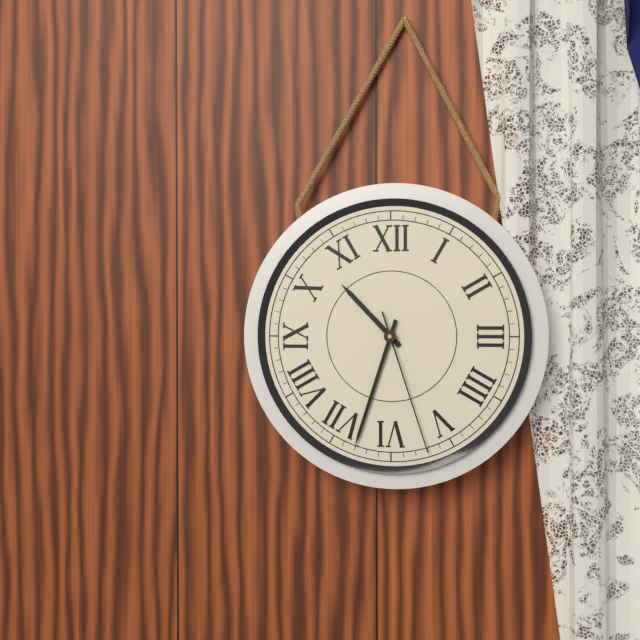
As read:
{"hour": 10, "minute": 33, "second": 27}
